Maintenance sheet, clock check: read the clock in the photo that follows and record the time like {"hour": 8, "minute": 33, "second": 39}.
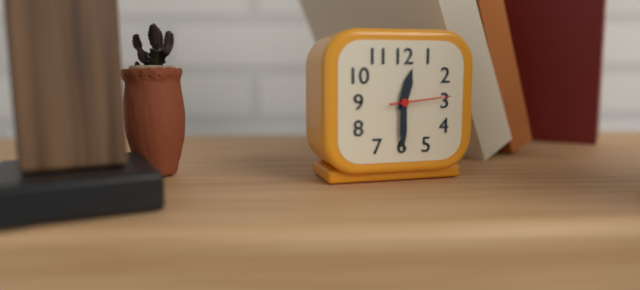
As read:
{"hour": 12, "minute": 30, "second": 14}
